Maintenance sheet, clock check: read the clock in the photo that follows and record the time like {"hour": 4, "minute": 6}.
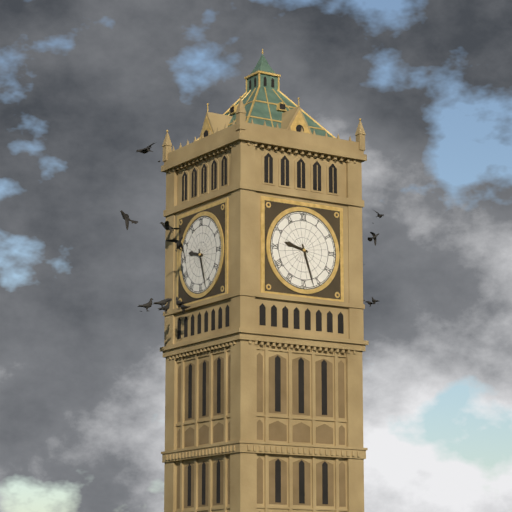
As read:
{"hour": 9, "minute": 27}
